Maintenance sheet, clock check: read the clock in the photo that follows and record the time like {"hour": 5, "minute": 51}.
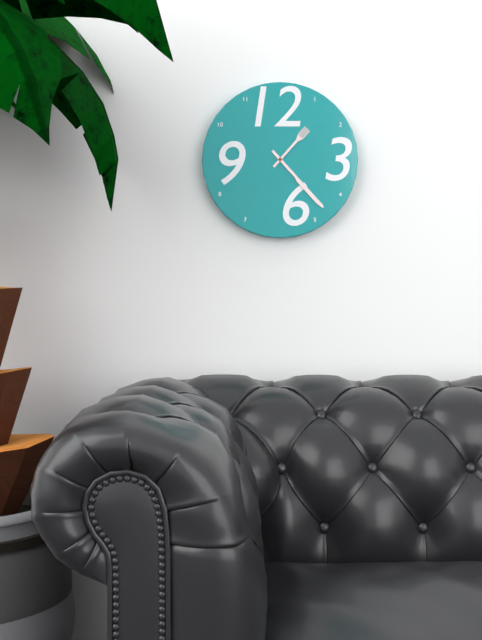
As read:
{"hour": 1, "minute": 23}
